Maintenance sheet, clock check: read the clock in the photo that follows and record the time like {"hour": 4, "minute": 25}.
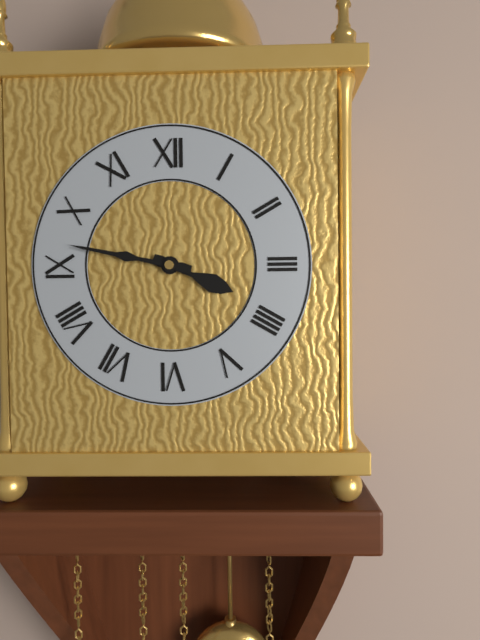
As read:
{"hour": 3, "minute": 47}
